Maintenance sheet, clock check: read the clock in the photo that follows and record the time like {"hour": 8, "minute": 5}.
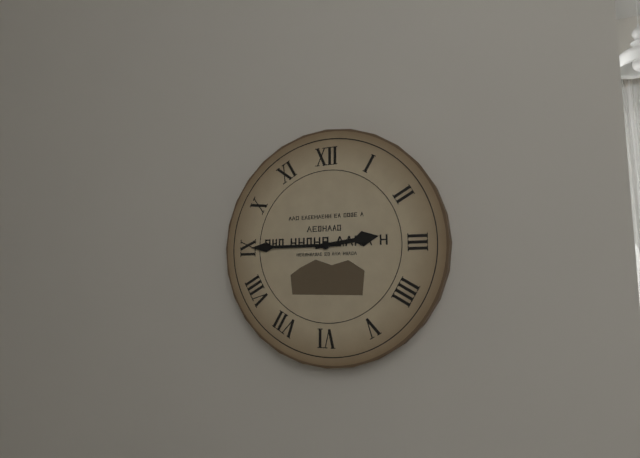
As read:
{"hour": 2, "minute": 45}
